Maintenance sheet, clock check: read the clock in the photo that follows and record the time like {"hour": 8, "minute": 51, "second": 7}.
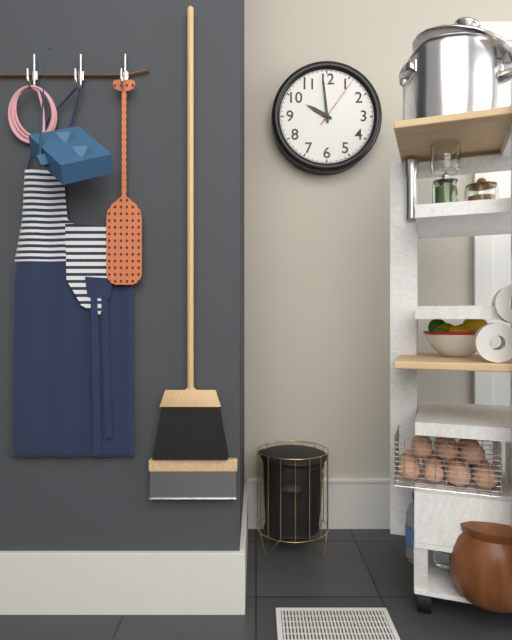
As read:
{"hour": 9, "minute": 59, "second": 6}
